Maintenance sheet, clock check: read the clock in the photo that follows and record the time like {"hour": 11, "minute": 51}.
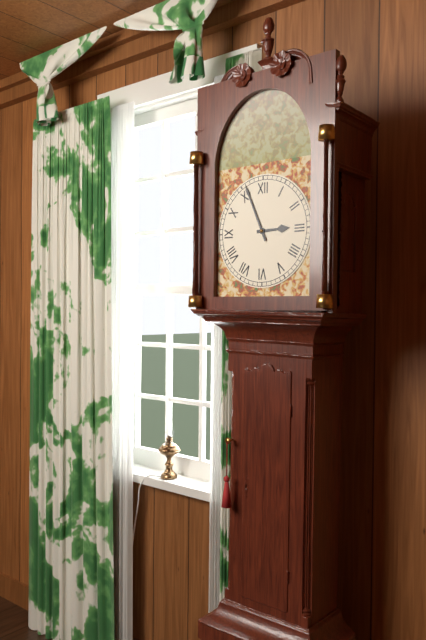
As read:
{"hour": 2, "minute": 56}
